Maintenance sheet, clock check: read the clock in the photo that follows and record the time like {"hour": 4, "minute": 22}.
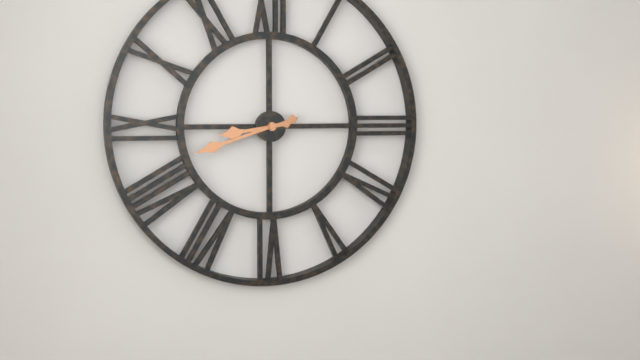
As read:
{"hour": 8, "minute": 42}
